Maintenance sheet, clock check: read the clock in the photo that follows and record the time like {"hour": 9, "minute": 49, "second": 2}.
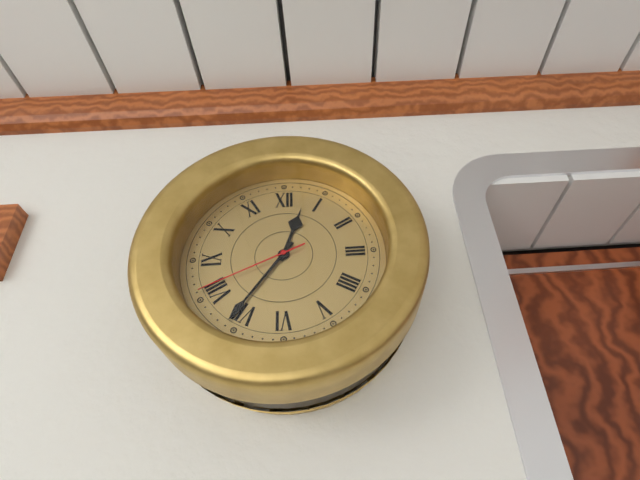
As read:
{"hour": 12, "minute": 36, "second": 41}
